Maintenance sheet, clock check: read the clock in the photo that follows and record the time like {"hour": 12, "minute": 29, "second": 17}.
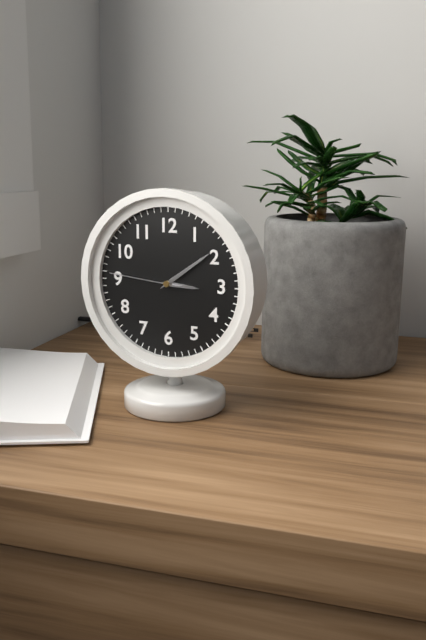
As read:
{"hour": 3, "minute": 9, "second": 46}
